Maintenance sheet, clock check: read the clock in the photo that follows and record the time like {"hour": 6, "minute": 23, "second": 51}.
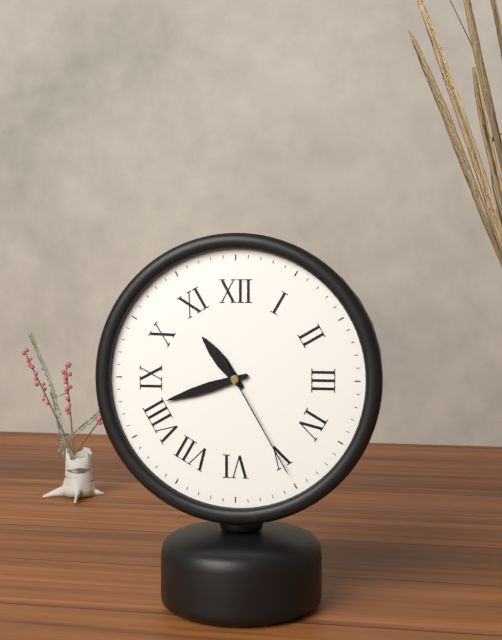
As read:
{"hour": 10, "minute": 42, "second": 25}
